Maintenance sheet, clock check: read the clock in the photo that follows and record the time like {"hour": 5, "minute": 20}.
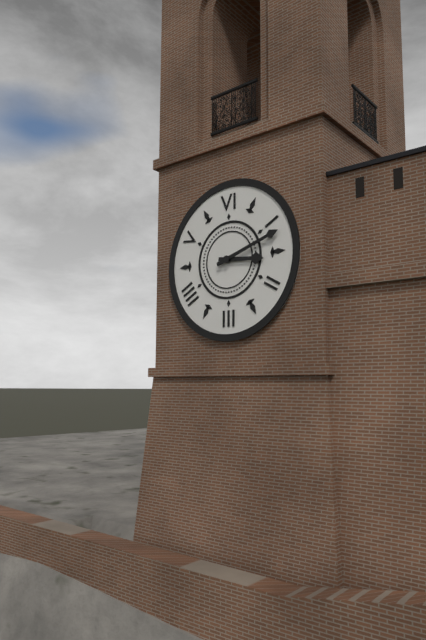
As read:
{"hour": 3, "minute": 12}
